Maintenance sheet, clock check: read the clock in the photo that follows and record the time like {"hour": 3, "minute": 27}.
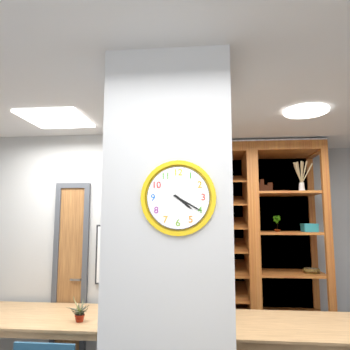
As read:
{"hour": 4, "minute": 20}
